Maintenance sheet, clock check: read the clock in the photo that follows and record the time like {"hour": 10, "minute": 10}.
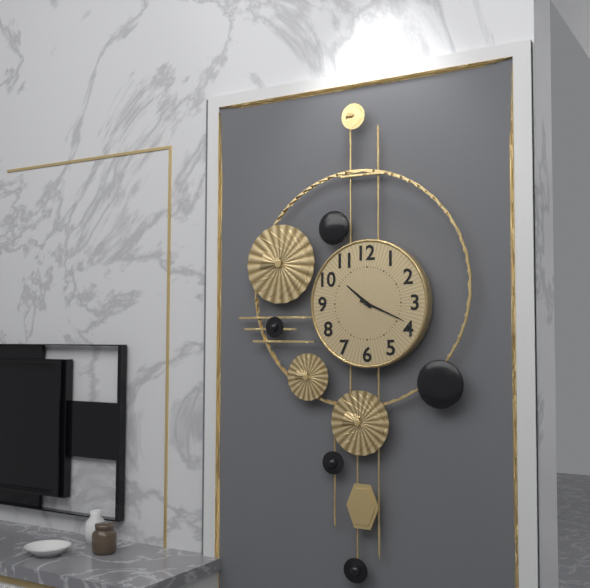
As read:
{"hour": 10, "minute": 19}
